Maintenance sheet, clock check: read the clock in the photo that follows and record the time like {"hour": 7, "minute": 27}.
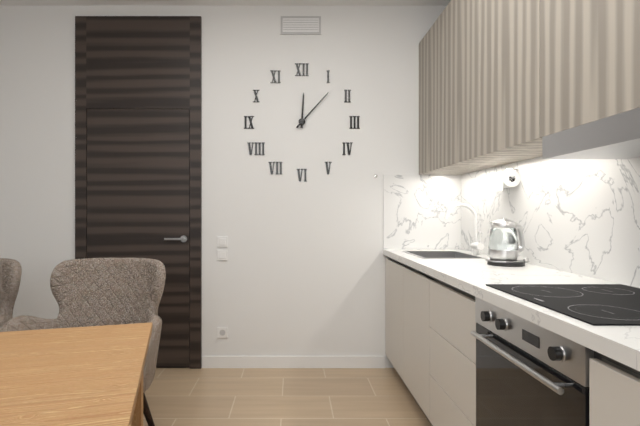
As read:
{"hour": 12, "minute": 7}
